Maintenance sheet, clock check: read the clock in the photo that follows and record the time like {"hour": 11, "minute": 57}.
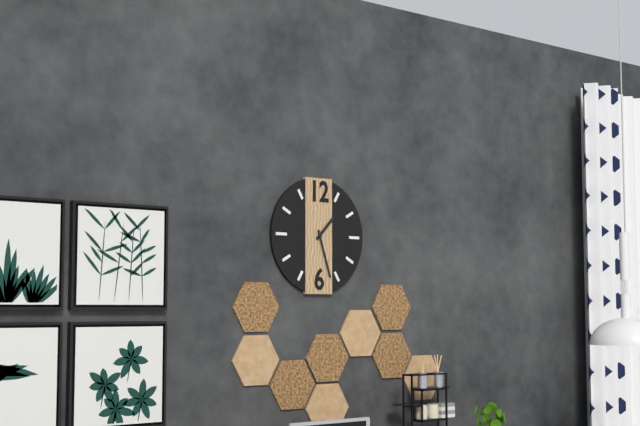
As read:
{"hour": 1, "minute": 27}
